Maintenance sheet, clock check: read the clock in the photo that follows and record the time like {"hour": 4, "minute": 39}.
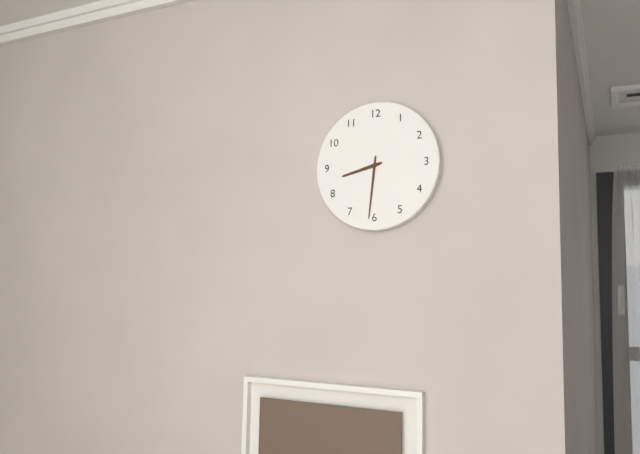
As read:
{"hour": 8, "minute": 31}
